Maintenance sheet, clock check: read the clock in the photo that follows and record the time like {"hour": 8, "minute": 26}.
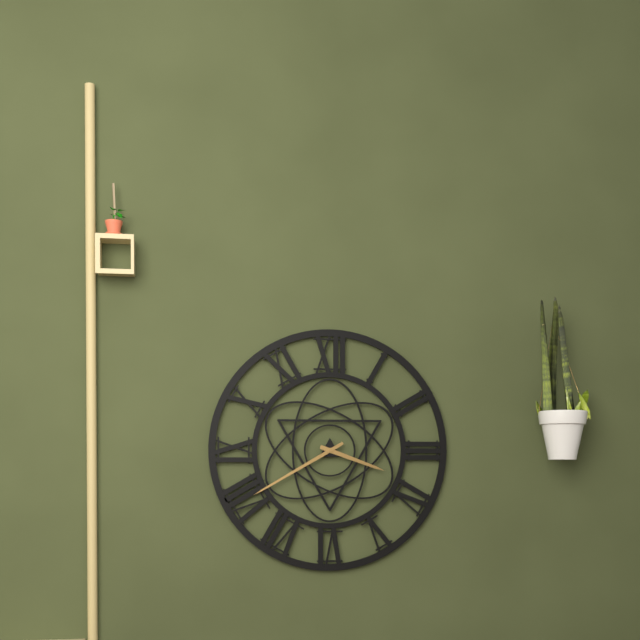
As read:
{"hour": 3, "minute": 40}
